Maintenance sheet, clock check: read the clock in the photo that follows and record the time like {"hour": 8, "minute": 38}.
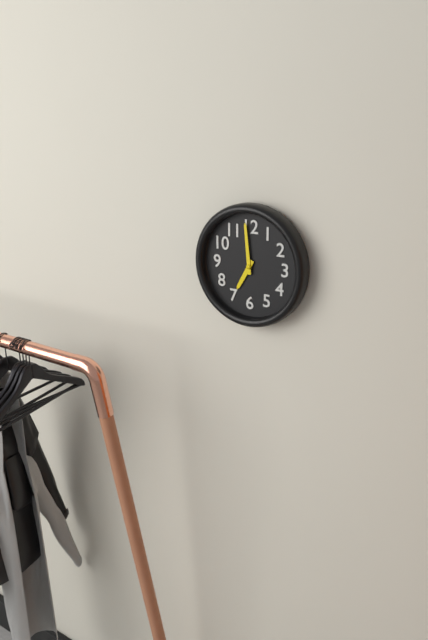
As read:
{"hour": 6, "minute": 59}
